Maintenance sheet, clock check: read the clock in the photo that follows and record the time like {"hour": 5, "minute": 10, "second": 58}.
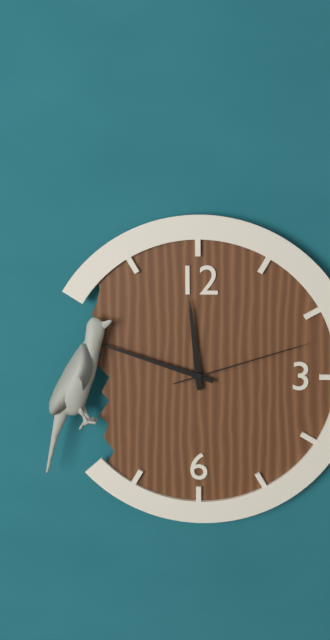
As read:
{"hour": 11, "minute": 48, "second": 12}
